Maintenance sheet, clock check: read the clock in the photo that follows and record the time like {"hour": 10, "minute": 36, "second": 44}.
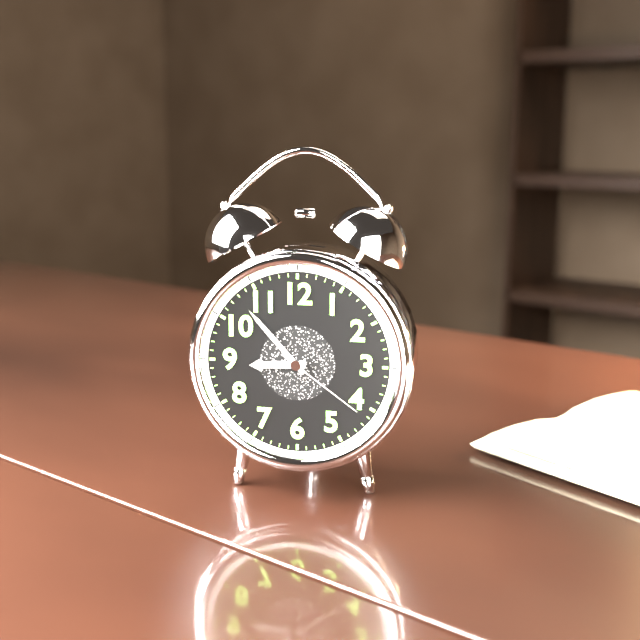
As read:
{"hour": 8, "minute": 53, "second": 21}
